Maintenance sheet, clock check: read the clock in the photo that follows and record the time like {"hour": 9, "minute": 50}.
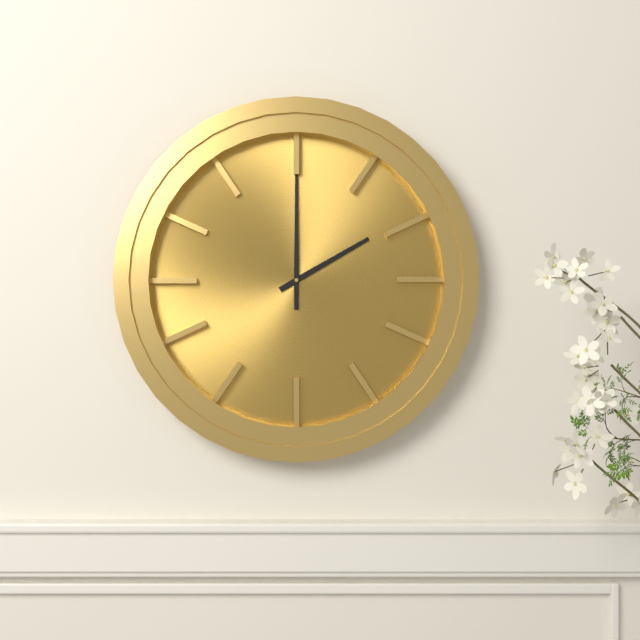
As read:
{"hour": 2, "minute": 0}
